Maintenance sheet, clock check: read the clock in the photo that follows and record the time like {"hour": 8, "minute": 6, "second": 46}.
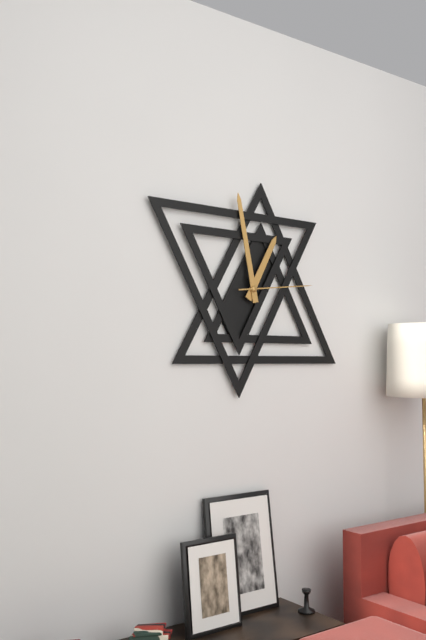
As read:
{"hour": 12, "minute": 58, "second": 14}
